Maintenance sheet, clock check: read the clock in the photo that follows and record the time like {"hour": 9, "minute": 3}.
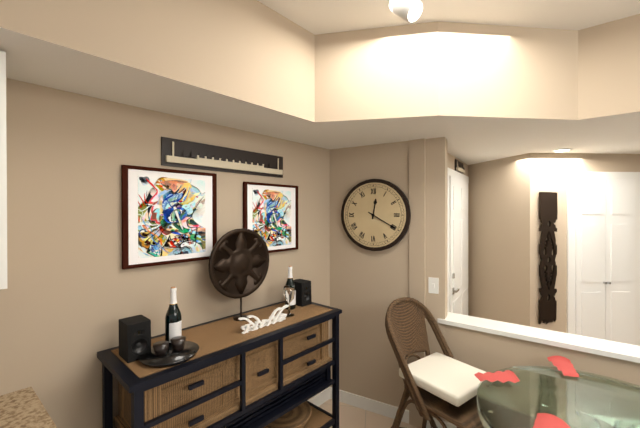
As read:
{"hour": 12, "minute": 20}
